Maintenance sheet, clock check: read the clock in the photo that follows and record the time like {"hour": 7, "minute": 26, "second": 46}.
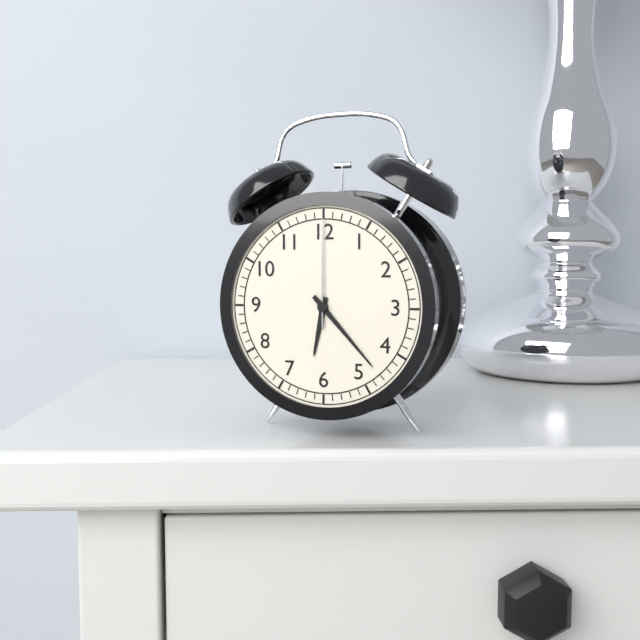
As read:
{"hour": 6, "minute": 23, "second": 0}
